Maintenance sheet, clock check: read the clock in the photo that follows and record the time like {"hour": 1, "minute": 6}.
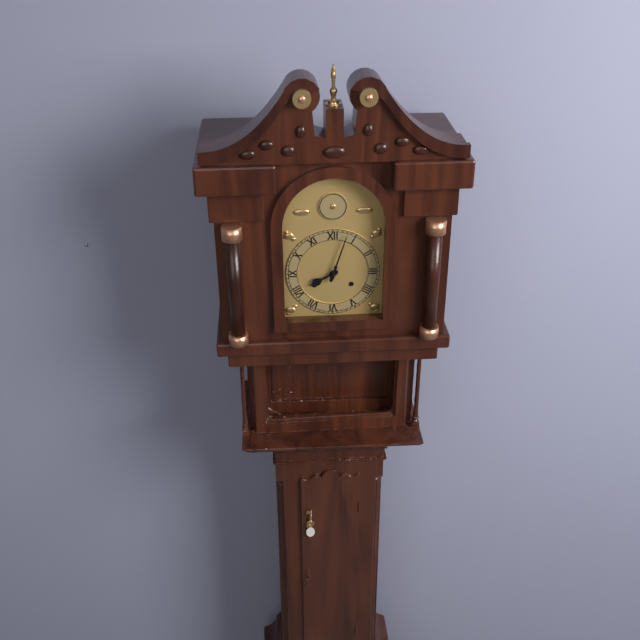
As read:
{"hour": 8, "minute": 3}
